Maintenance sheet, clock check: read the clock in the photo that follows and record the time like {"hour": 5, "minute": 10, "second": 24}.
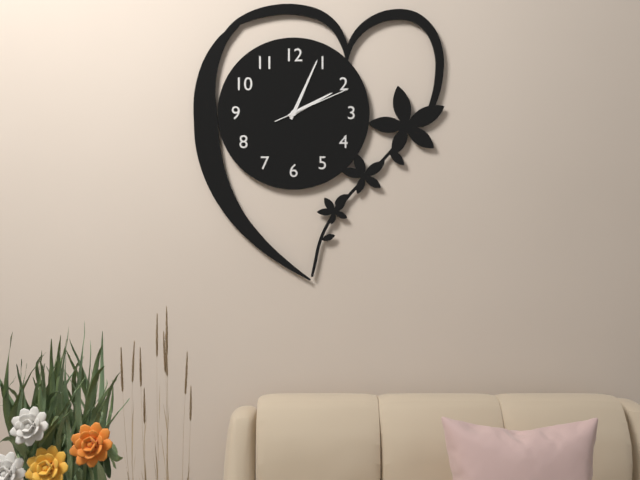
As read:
{"hour": 2, "minute": 4, "second": 11}
